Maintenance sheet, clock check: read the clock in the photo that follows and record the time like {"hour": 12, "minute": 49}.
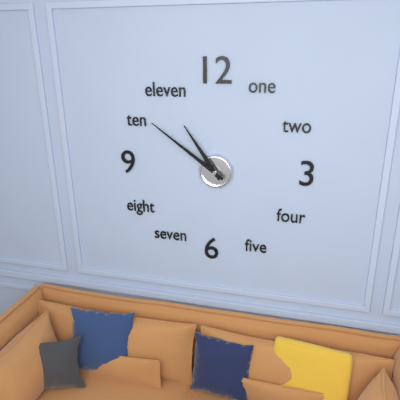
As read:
{"hour": 10, "minute": 51}
